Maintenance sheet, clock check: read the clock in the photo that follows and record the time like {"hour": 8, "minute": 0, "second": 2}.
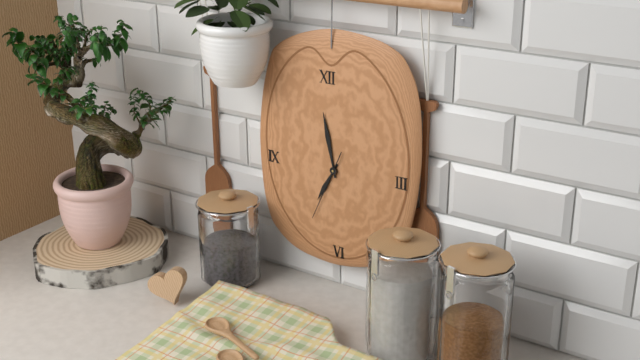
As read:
{"hour": 6, "minute": 58, "second": 34}
